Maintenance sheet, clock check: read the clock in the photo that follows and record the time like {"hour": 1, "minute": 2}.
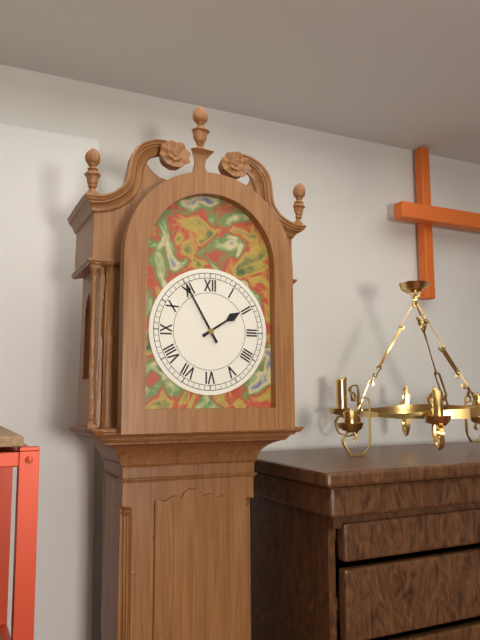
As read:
{"hour": 1, "minute": 55}
